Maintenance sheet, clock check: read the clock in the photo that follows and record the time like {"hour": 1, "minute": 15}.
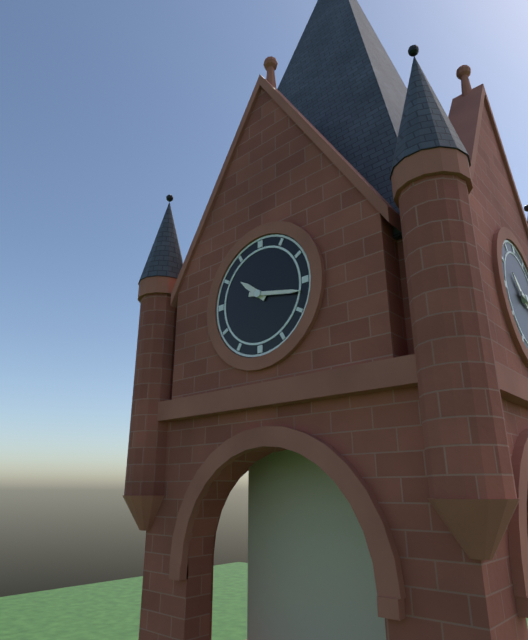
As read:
{"hour": 10, "minute": 17}
